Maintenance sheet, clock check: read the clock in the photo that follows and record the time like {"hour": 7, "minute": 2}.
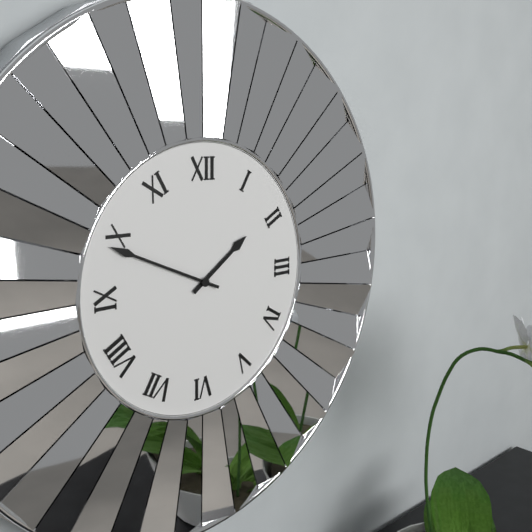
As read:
{"hour": 1, "minute": 49}
